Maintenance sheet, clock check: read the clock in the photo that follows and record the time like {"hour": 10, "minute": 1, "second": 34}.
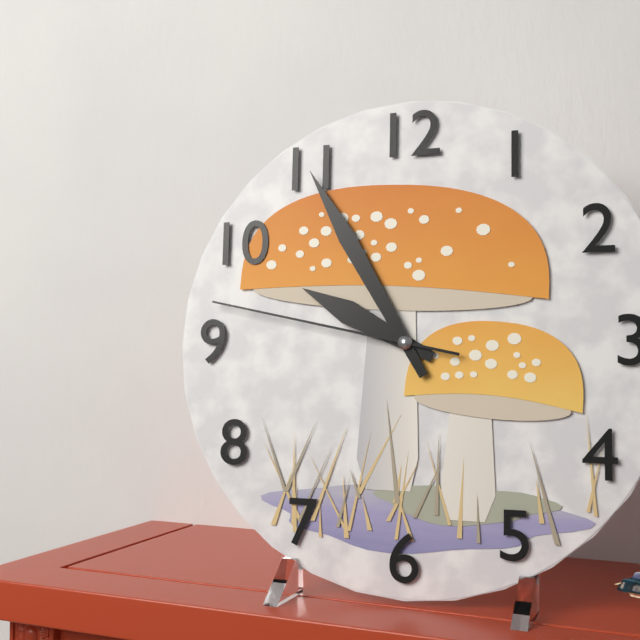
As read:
{"hour": 9, "minute": 55, "second": 47}
